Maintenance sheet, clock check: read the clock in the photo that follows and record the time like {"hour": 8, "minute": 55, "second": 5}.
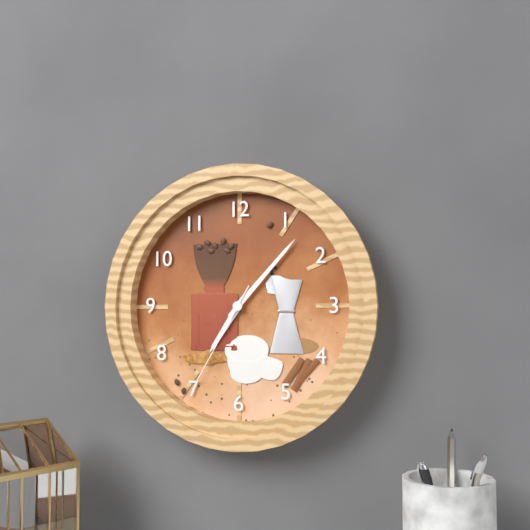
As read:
{"hour": 7, "minute": 7, "second": 35}
